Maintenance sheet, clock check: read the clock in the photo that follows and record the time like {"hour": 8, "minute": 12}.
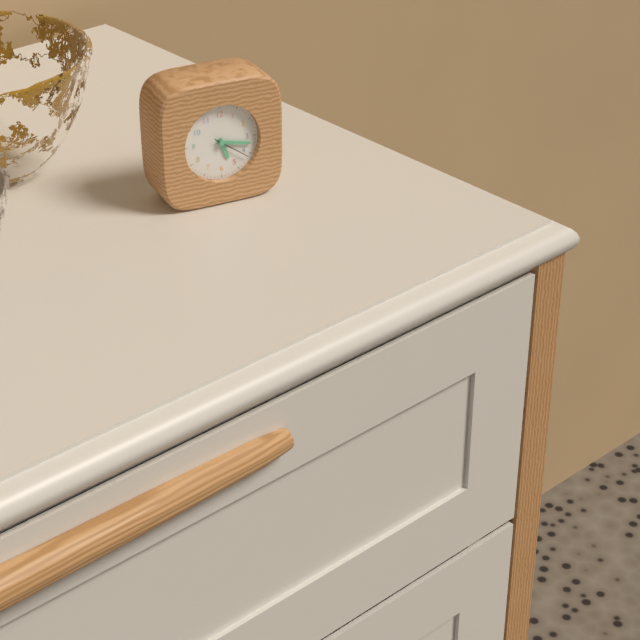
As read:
{"hour": 5, "minute": 17}
